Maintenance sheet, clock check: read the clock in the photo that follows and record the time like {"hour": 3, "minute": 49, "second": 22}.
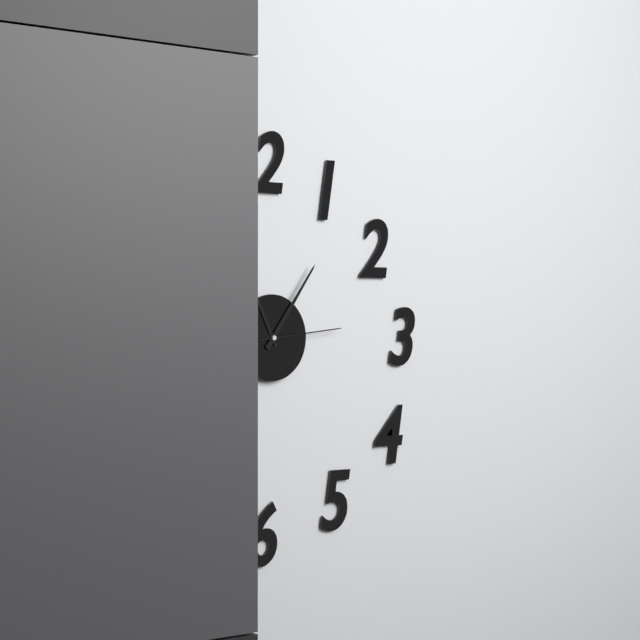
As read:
{"hour": 11, "minute": 6, "second": 14}
